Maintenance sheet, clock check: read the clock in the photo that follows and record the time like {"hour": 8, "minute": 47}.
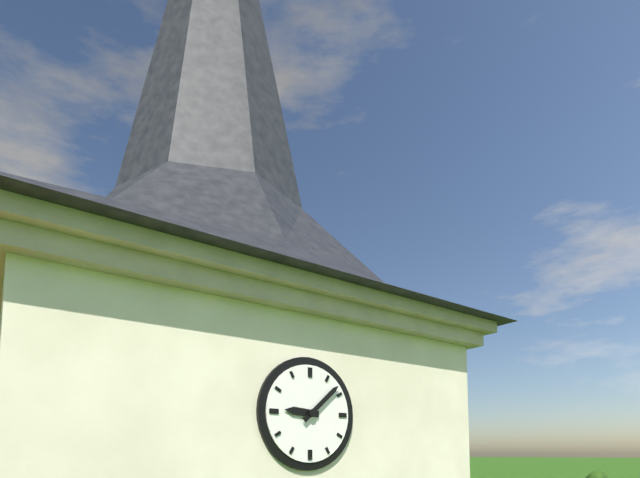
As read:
{"hour": 9, "minute": 8}
